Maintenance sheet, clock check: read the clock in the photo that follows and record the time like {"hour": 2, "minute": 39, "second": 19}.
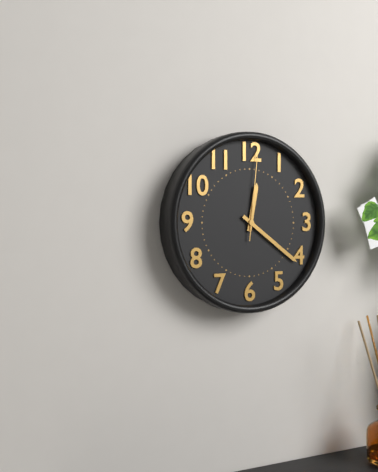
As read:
{"hour": 12, "minute": 21, "second": 1}
